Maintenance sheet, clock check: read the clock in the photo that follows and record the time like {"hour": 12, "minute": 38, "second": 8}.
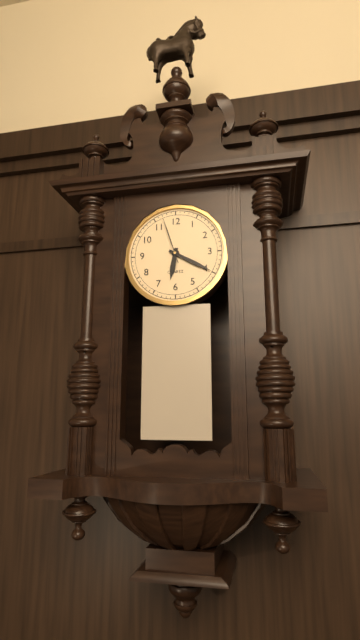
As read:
{"hour": 6, "minute": 20, "second": 57}
